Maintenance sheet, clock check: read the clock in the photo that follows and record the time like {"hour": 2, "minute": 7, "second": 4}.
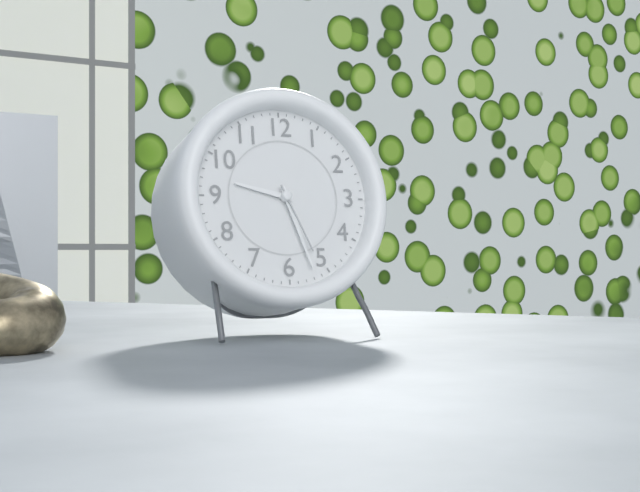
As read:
{"hour": 9, "minute": 27, "second": 26}
